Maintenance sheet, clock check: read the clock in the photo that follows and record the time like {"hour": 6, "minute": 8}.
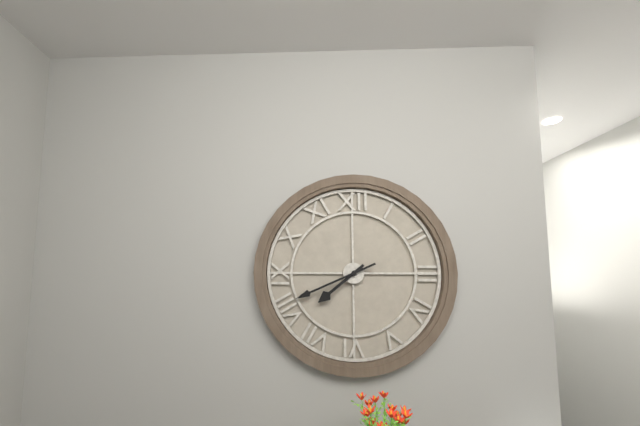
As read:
{"hour": 7, "minute": 41}
